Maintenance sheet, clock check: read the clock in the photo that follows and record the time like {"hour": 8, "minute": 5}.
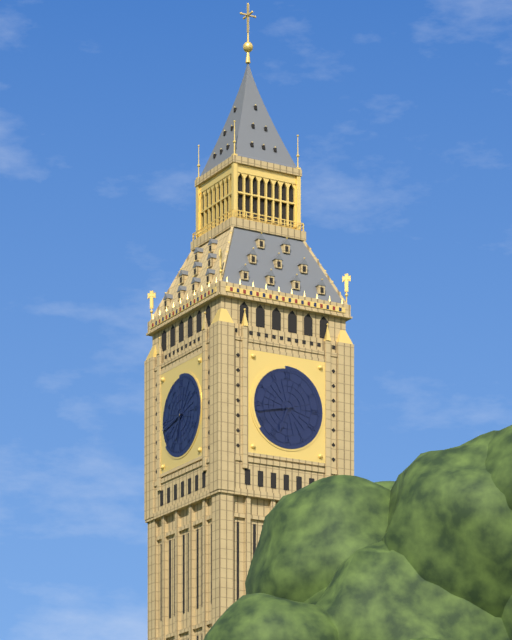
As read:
{"hour": 6, "minute": 43}
